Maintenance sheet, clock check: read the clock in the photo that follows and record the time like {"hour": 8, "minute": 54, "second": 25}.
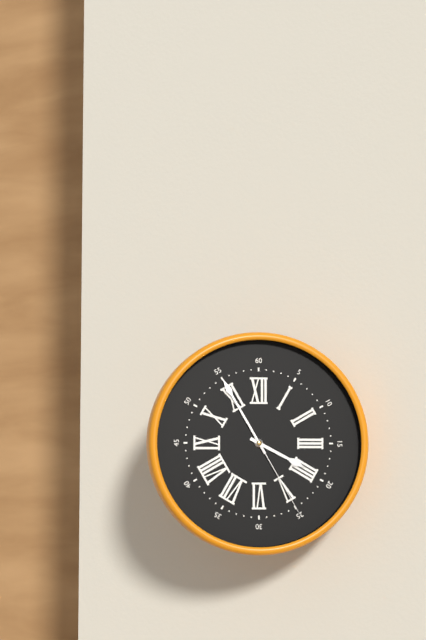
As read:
{"hour": 3, "minute": 55, "second": 25}
